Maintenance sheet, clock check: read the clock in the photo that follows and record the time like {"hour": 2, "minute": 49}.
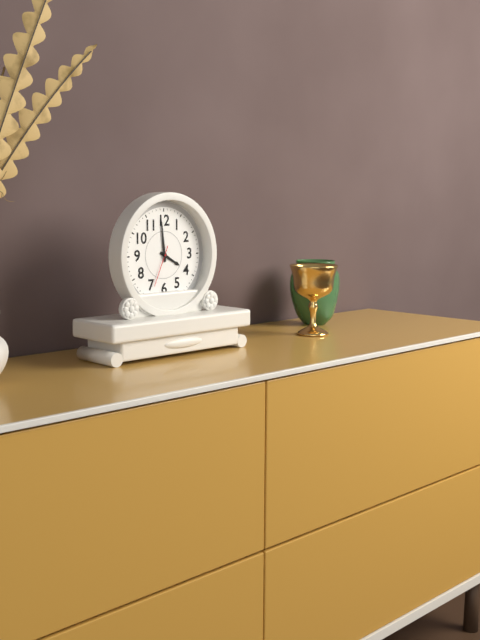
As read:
{"hour": 3, "minute": 59}
